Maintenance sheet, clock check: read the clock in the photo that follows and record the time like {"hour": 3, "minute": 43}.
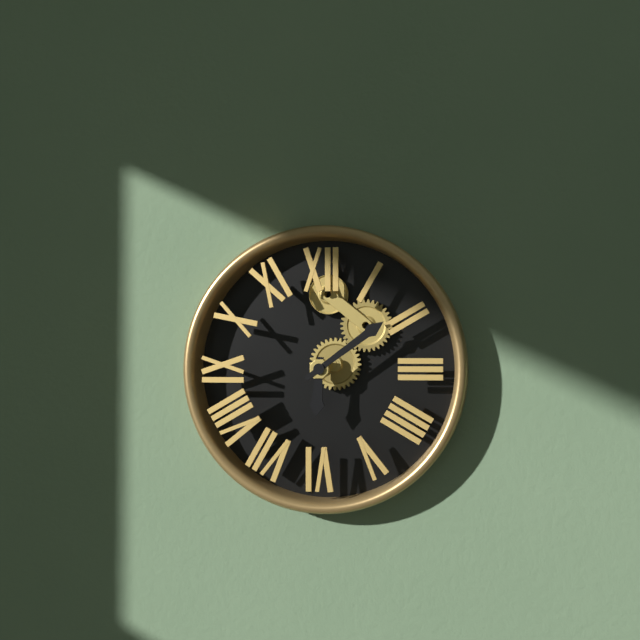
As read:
{"hour": 6, "minute": 9}
